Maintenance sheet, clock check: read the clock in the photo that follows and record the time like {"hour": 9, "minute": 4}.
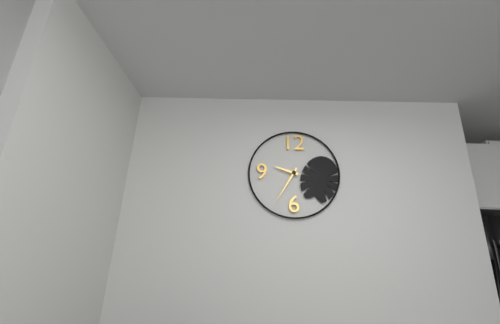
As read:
{"hour": 9, "minute": 35}
